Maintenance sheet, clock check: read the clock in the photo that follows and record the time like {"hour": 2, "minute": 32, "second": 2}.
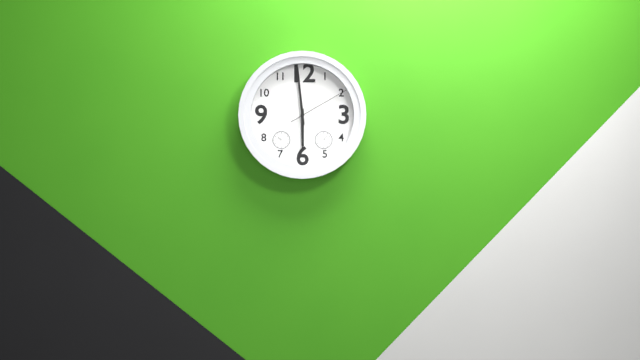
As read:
{"hour": 5, "minute": 59, "second": 10}
